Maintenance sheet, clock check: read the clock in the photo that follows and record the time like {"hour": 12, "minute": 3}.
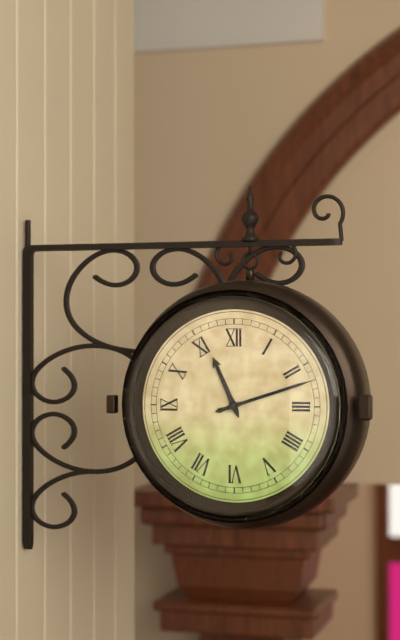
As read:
{"hour": 11, "minute": 12}
